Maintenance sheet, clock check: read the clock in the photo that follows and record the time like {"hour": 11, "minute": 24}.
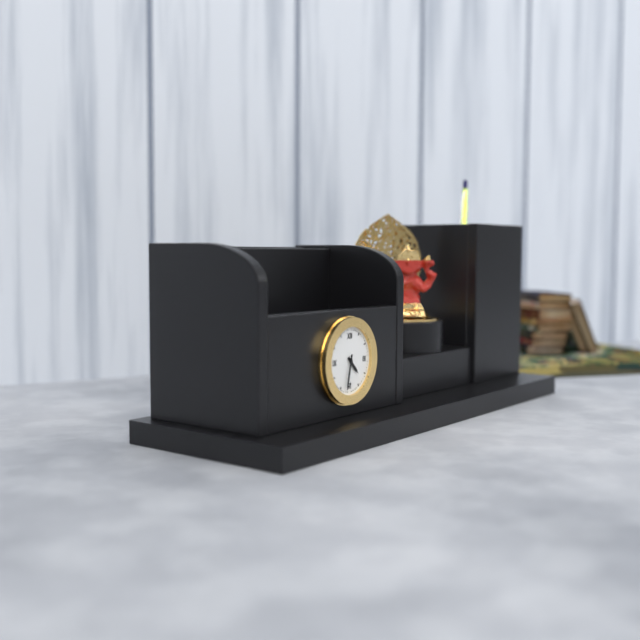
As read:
{"hour": 4, "minute": 32}
